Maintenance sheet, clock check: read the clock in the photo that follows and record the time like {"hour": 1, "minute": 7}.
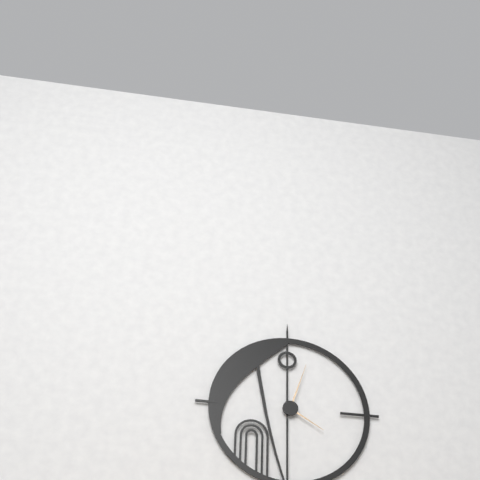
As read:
{"hour": 4, "minute": 3}
